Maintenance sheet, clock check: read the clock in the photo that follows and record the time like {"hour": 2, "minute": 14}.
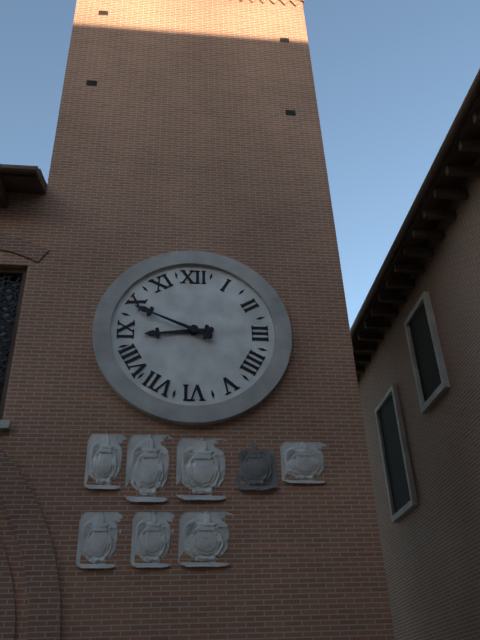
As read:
{"hour": 8, "minute": 49}
